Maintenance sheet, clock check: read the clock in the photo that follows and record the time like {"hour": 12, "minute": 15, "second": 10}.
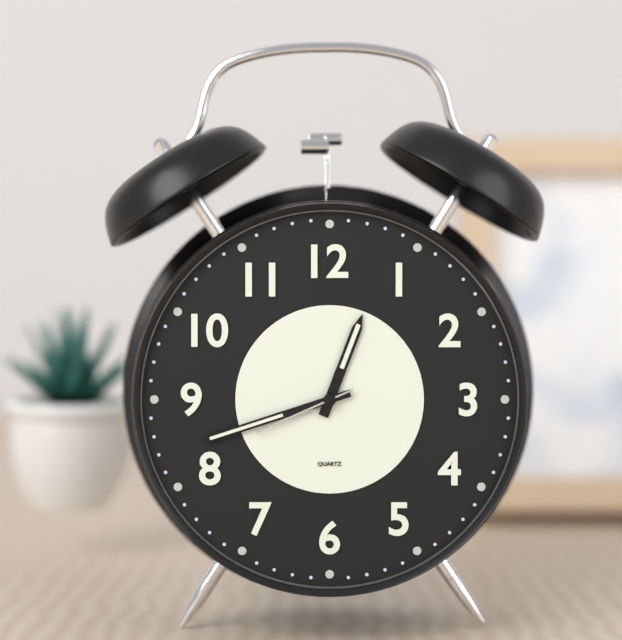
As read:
{"hour": 12, "minute": 42, "second": 41}
